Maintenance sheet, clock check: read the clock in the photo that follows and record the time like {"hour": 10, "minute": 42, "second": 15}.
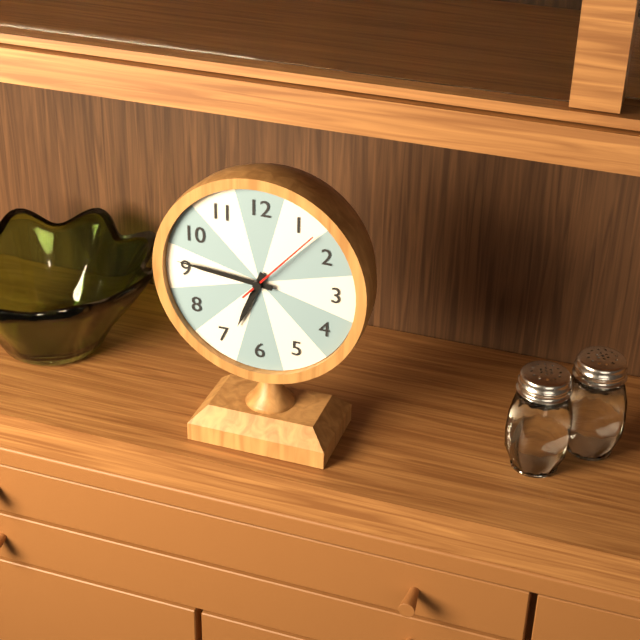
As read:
{"hour": 6, "minute": 46, "second": 7}
